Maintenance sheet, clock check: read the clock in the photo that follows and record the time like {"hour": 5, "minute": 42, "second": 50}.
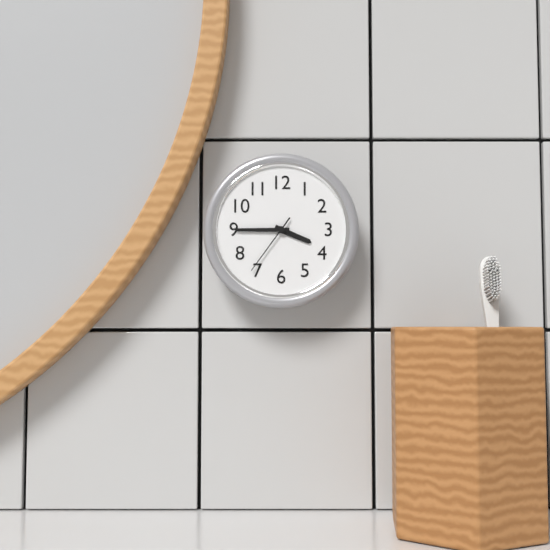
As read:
{"hour": 3, "minute": 45, "second": 36}
